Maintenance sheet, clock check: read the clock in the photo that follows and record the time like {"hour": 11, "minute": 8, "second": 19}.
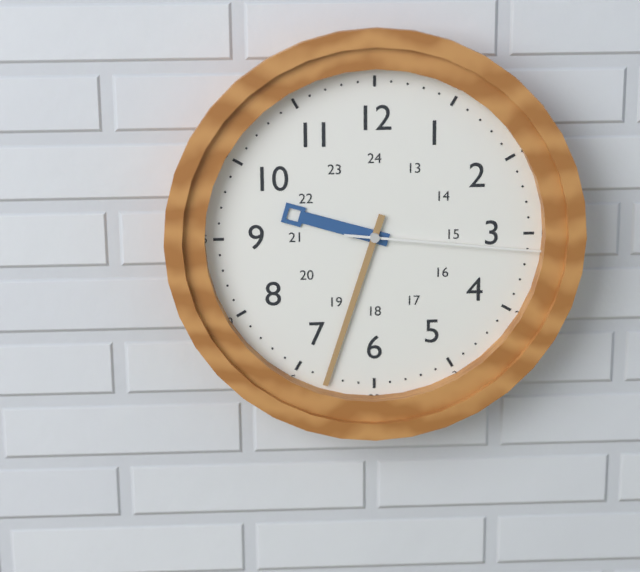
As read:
{"hour": 9, "minute": 33, "second": 16}
